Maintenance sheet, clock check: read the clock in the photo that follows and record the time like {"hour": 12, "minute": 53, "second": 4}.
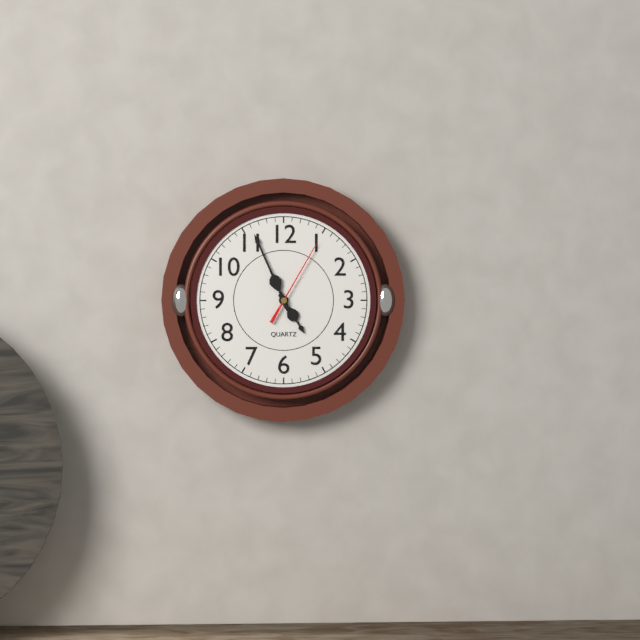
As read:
{"hour": 4, "minute": 56, "second": 5}
